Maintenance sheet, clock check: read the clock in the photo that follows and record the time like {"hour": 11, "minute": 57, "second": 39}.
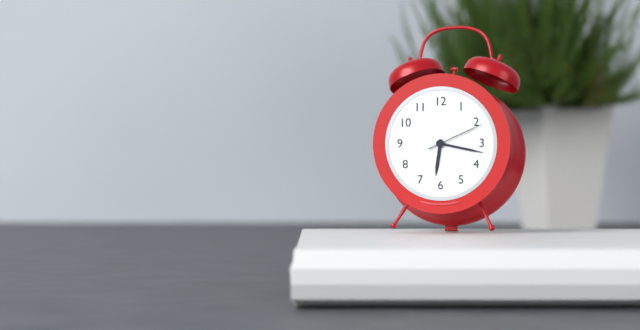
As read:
{"hour": 6, "minute": 17, "second": 11}
